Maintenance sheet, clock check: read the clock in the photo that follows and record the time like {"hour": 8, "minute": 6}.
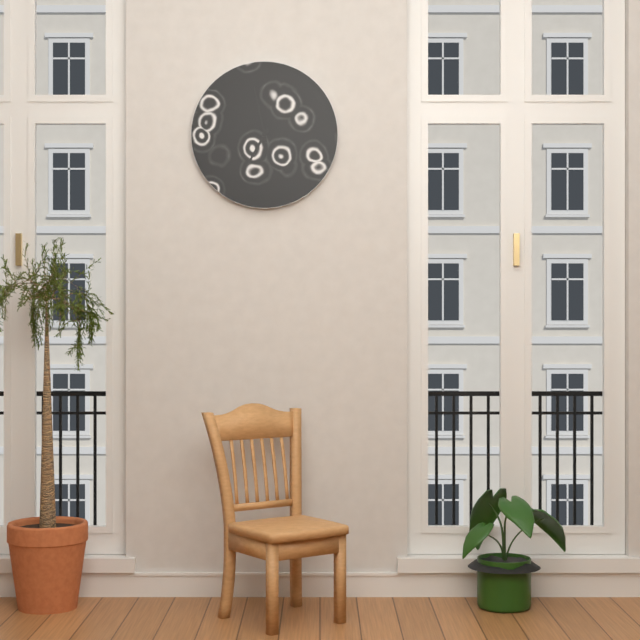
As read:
{"hour": 6, "minute": 58}
